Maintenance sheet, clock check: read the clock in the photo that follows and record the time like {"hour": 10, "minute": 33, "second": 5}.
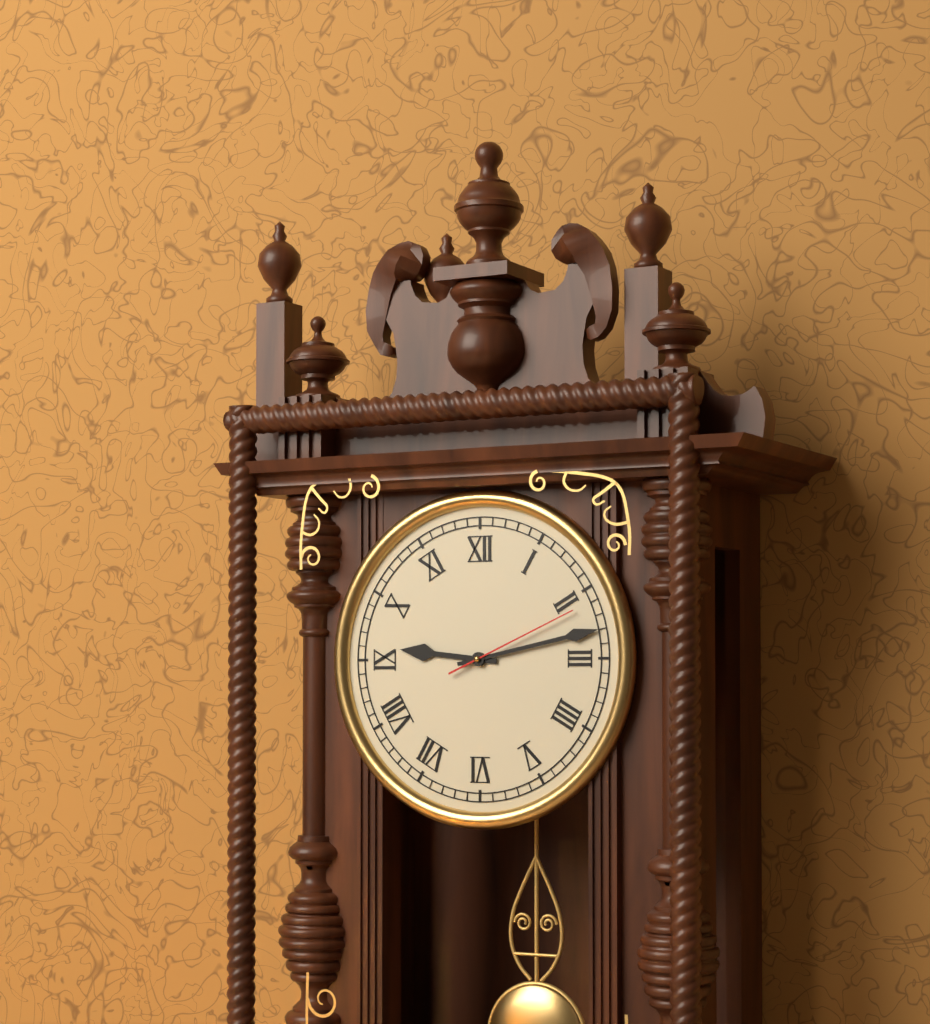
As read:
{"hour": 9, "minute": 13, "second": 11}
